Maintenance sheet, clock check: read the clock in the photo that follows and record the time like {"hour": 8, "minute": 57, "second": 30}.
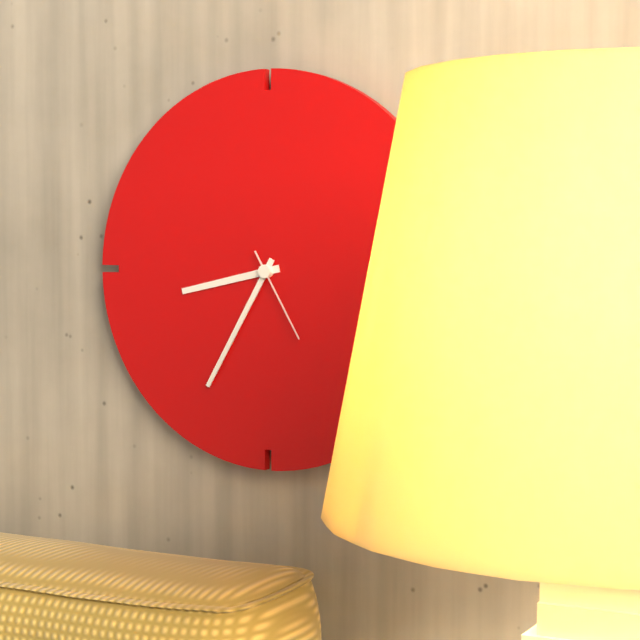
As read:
{"hour": 8, "minute": 35, "second": 25}
